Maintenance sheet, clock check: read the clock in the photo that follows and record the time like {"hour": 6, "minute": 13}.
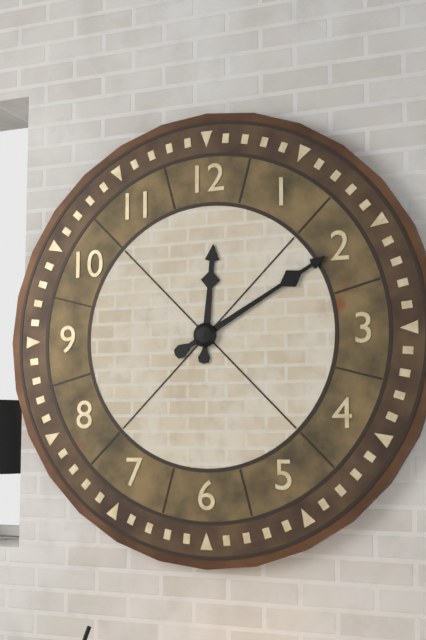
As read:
{"hour": 12, "minute": 10}
